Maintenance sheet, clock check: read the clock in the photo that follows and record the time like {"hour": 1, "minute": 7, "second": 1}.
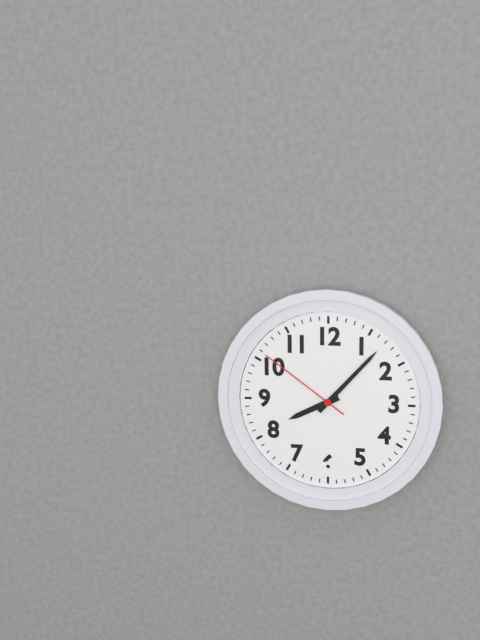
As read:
{"hour": 8, "minute": 7, "second": 51}
